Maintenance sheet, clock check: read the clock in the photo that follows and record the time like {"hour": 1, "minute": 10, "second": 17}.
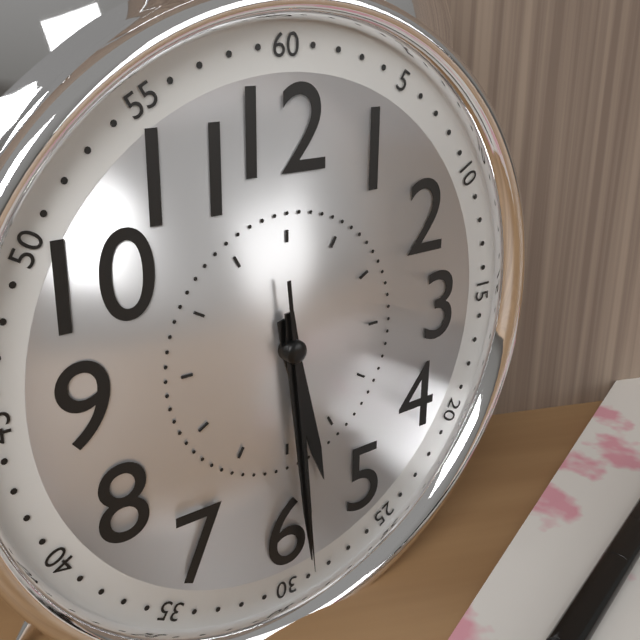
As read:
{"hour": 5, "minute": 29, "second": 29}
